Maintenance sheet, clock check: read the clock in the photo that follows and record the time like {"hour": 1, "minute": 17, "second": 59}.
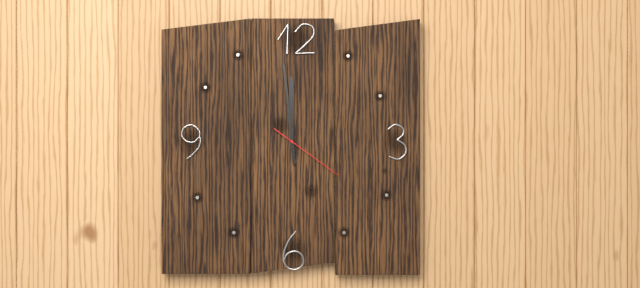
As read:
{"hour": 11, "minute": 59, "second": 21}
